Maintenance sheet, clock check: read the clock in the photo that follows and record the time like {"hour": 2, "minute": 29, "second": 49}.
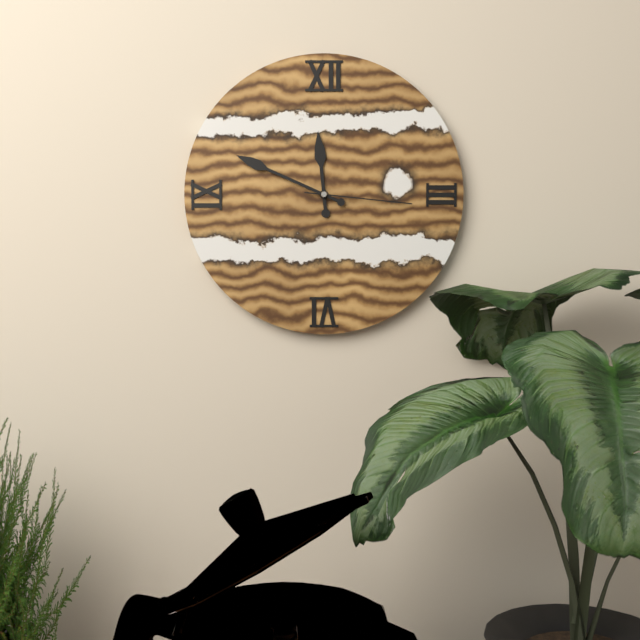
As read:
{"hour": 11, "minute": 49, "second": 16}
